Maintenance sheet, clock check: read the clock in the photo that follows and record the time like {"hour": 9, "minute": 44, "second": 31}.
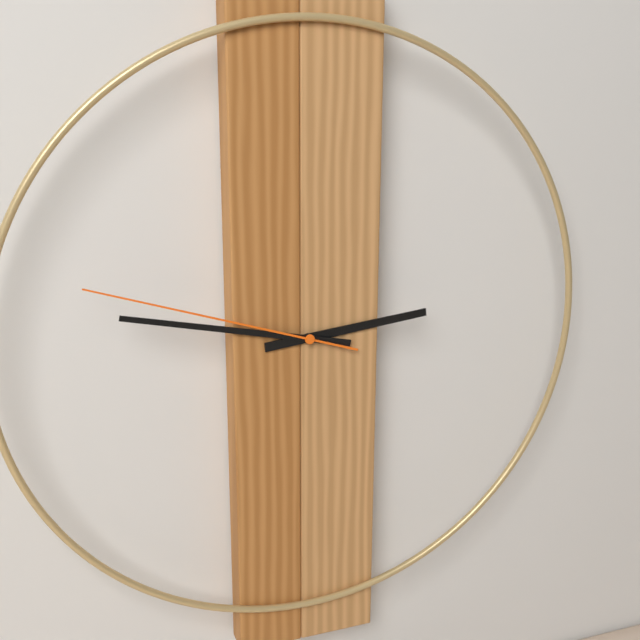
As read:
{"hour": 2, "minute": 47, "second": 48}
